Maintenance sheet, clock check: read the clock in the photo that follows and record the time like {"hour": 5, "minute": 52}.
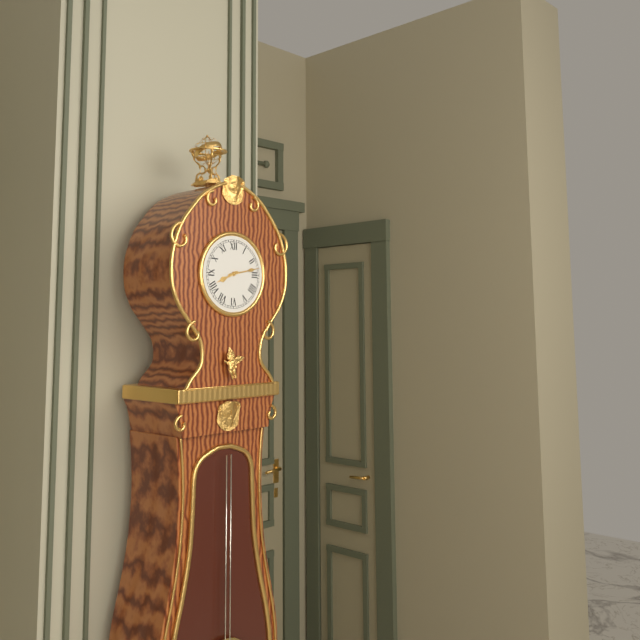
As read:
{"hour": 8, "minute": 13}
